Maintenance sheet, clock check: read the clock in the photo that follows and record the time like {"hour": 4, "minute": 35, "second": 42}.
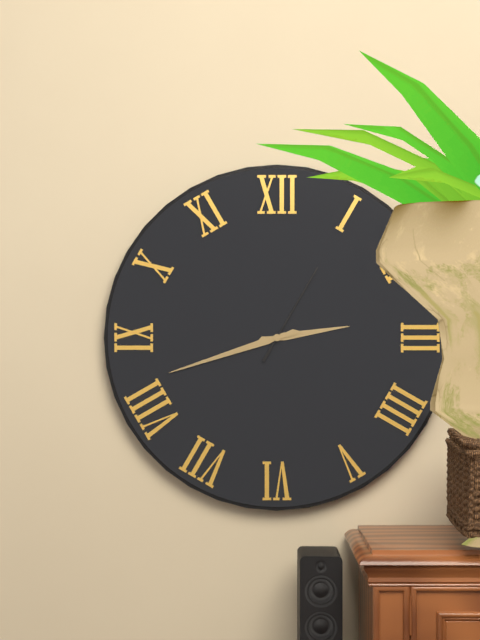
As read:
{"hour": 2, "minute": 42, "second": 5}
